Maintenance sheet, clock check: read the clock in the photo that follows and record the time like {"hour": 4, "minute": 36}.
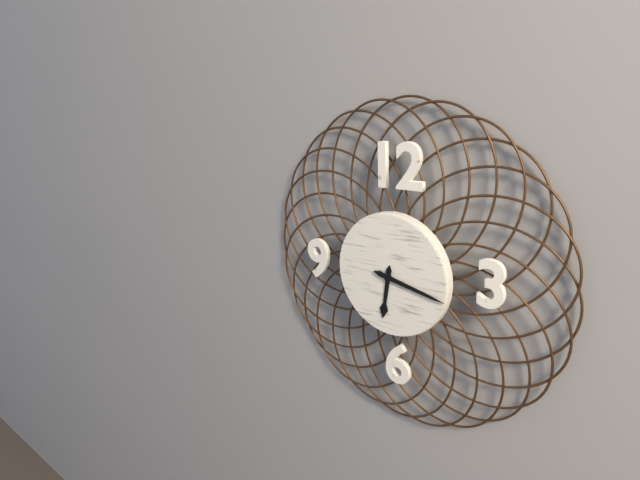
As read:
{"hour": 6, "minute": 17}
